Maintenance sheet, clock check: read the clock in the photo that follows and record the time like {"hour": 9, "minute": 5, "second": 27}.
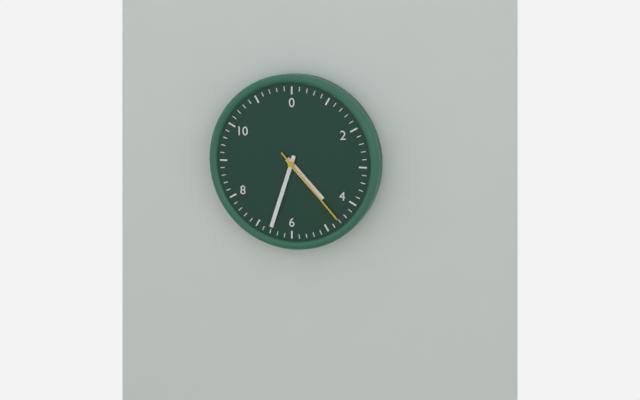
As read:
{"hour": 4, "minute": 33, "second": 23}
